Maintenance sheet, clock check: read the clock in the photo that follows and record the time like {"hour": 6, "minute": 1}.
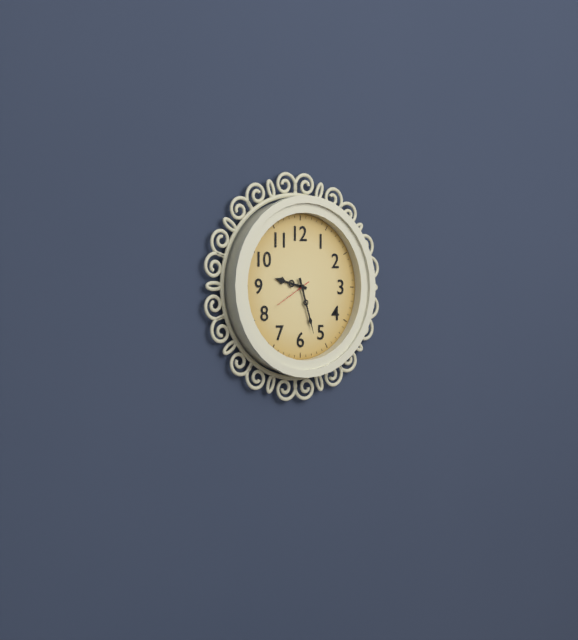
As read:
{"hour": 9, "minute": 27}
